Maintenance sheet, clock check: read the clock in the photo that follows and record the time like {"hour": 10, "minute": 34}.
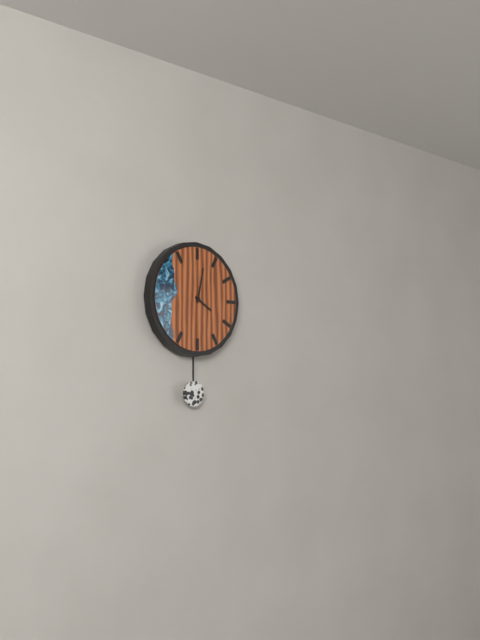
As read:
{"hour": 4, "minute": 2}
